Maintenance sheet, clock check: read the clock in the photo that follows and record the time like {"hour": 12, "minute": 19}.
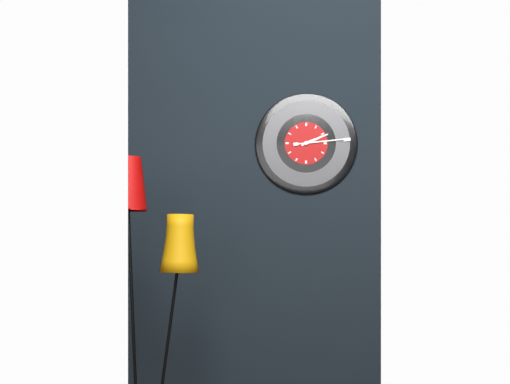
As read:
{"hour": 2, "minute": 14}
